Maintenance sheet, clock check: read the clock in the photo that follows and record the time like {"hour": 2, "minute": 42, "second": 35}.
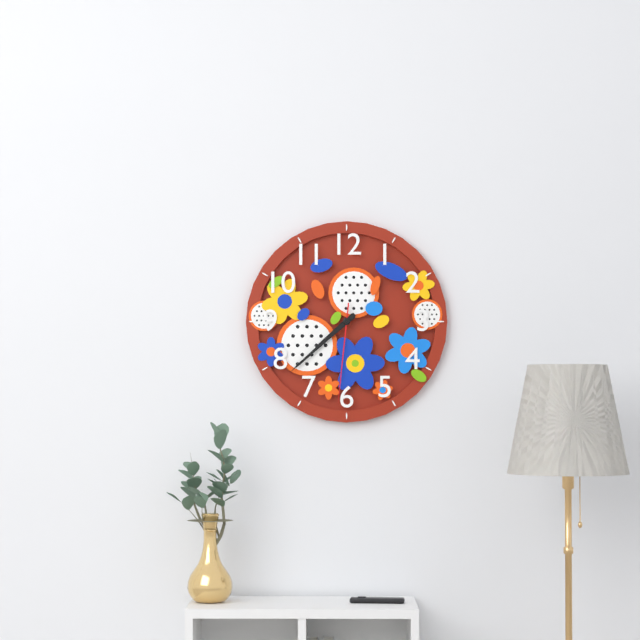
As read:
{"hour": 7, "minute": 38, "second": 31}
